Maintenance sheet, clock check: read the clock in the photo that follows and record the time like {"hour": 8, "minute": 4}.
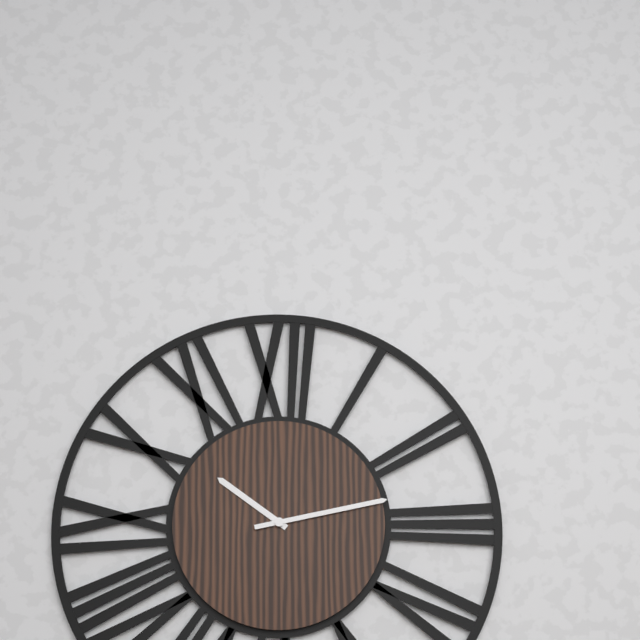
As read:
{"hour": 10, "minute": 13}
